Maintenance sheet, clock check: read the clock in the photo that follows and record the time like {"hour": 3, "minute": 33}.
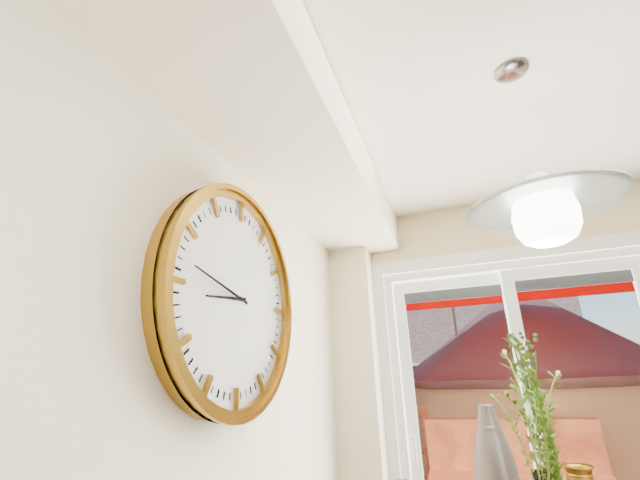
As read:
{"hour": 8, "minute": 47}
